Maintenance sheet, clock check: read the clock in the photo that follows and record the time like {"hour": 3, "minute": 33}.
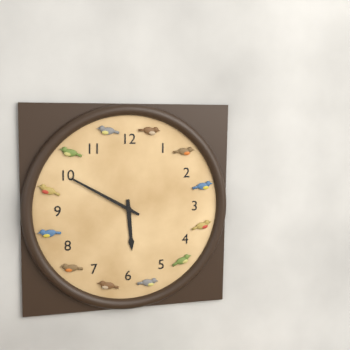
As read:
{"hour": 5, "minute": 50}
